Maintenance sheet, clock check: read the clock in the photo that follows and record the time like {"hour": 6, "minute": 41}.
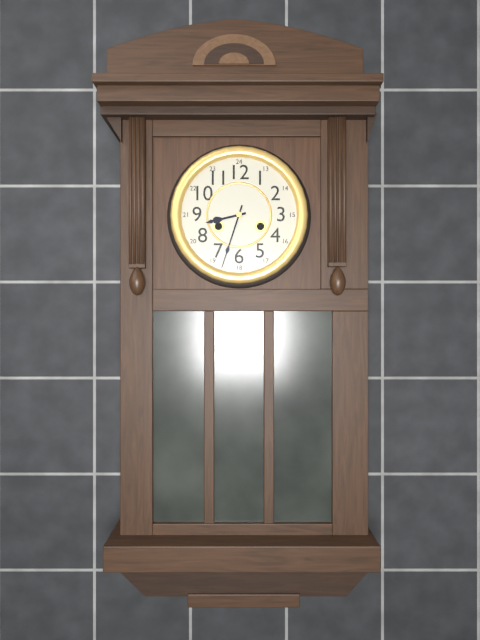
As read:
{"hour": 8, "minute": 33}
